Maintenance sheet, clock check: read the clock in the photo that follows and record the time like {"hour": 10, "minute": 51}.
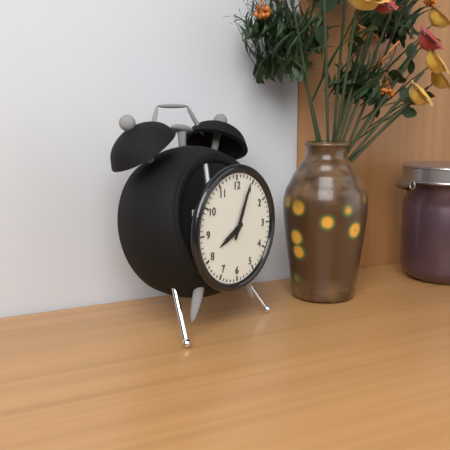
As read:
{"hour": 8, "minute": 4}
